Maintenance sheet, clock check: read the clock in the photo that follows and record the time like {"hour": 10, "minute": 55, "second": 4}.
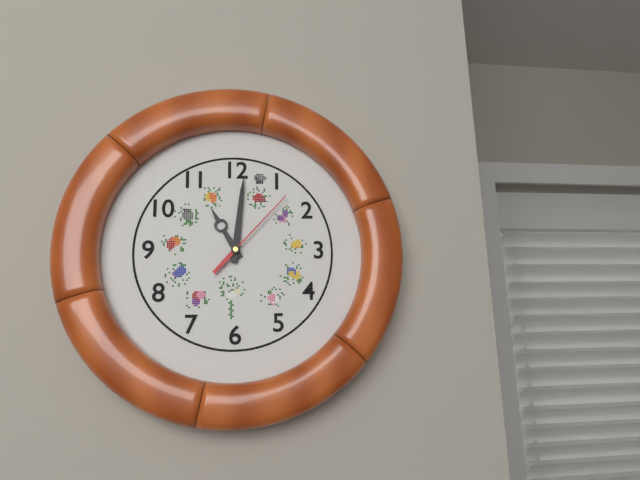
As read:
{"hour": 11, "minute": 1, "second": 7}
